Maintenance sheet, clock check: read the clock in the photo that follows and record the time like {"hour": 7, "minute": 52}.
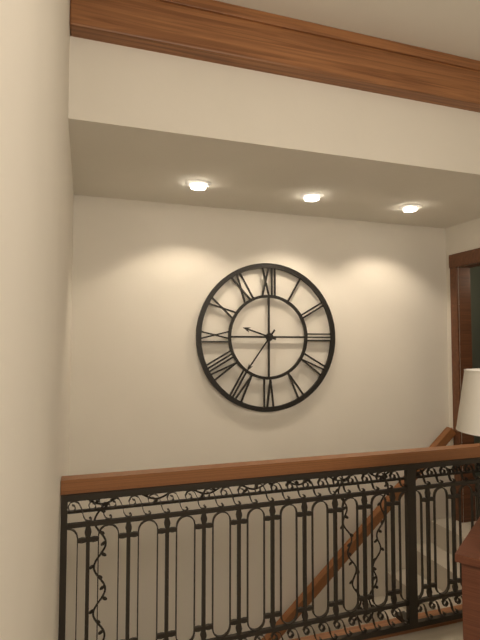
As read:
{"hour": 9, "minute": 36}
